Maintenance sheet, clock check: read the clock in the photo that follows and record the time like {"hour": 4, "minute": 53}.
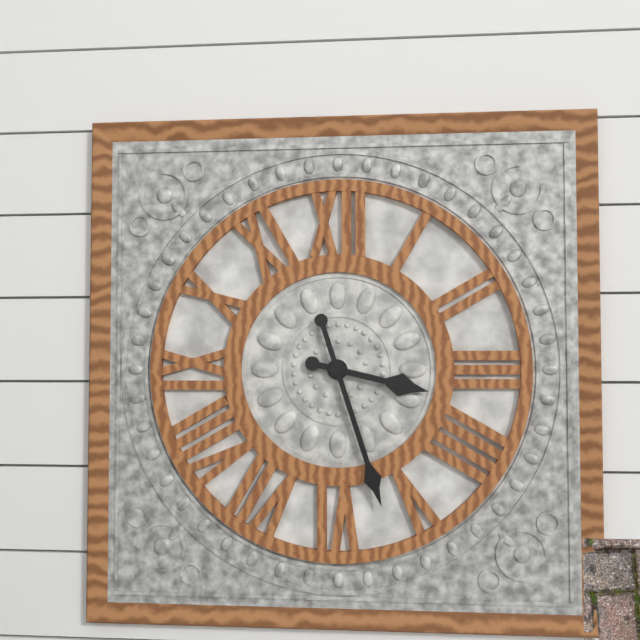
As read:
{"hour": 3, "minute": 27}
